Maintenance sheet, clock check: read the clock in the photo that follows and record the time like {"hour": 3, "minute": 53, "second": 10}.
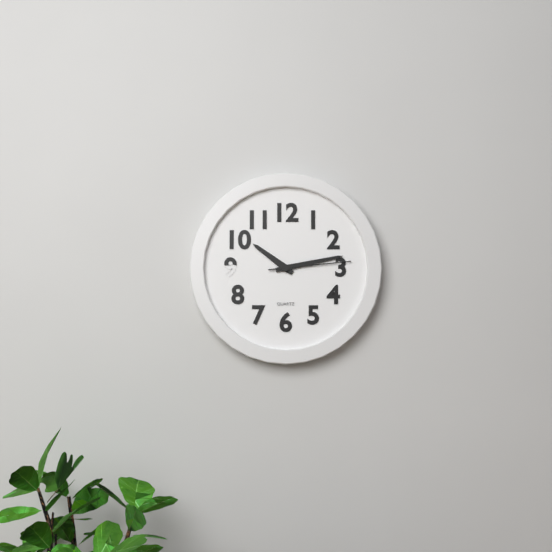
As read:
{"hour": 10, "minute": 13, "second": 14}
